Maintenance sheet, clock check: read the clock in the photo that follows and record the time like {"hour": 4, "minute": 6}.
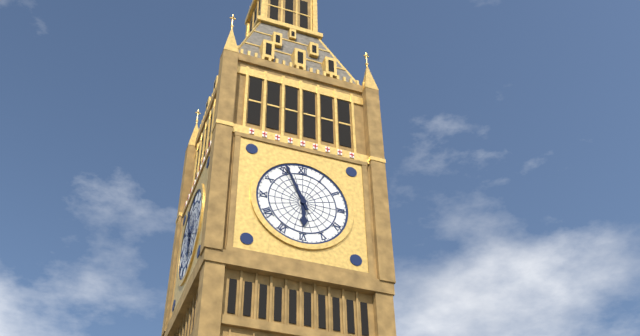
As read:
{"hour": 5, "minute": 56}
